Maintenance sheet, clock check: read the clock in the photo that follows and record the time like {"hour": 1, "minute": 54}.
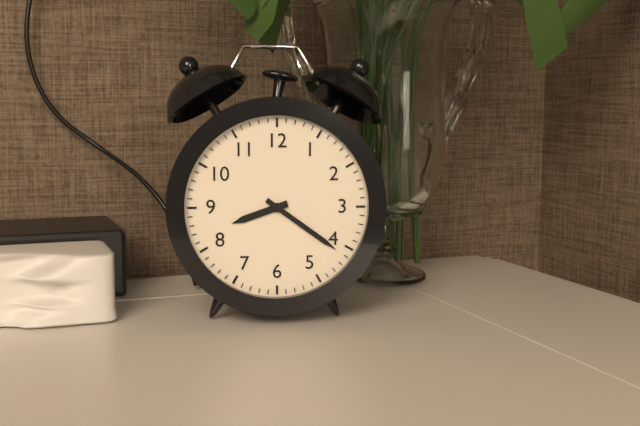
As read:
{"hour": 8, "minute": 21}
